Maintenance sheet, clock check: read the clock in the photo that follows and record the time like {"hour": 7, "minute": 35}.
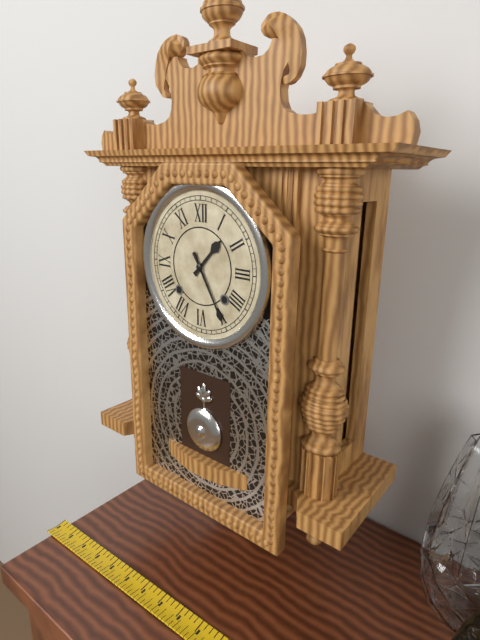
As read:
{"hour": 1, "minute": 25}
